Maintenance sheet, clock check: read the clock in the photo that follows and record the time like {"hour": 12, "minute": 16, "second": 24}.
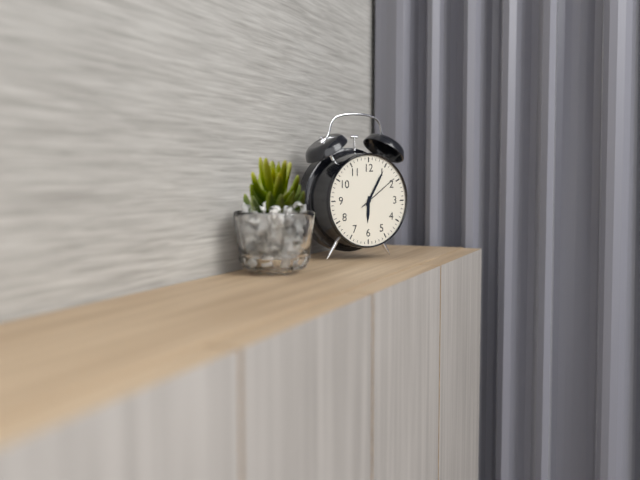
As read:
{"hour": 6, "minute": 5, "second": 9}
